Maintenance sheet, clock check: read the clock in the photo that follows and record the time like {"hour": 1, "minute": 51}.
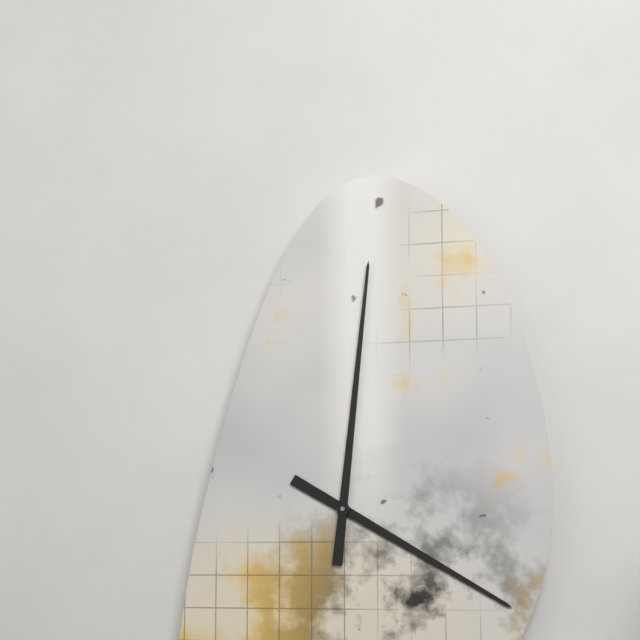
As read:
{"hour": 4, "minute": 1}
